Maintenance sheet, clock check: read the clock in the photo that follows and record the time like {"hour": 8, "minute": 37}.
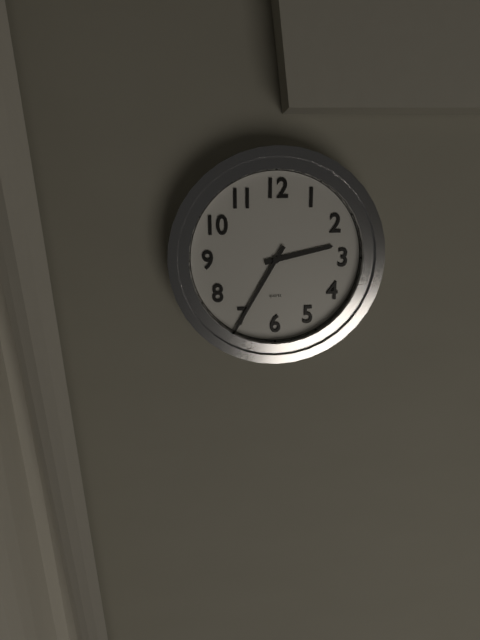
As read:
{"hour": 2, "minute": 35}
